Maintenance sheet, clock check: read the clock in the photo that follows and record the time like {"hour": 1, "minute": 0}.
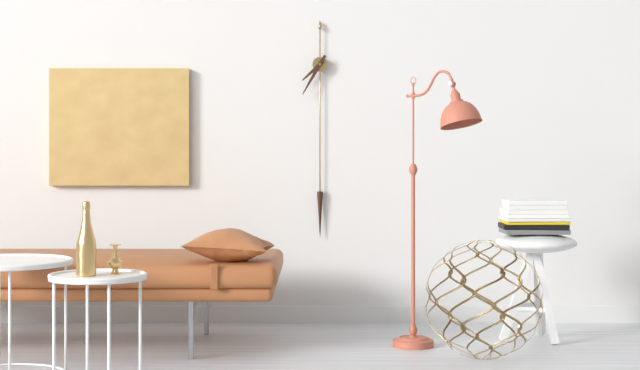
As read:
{"hour": 7, "minute": 35}
